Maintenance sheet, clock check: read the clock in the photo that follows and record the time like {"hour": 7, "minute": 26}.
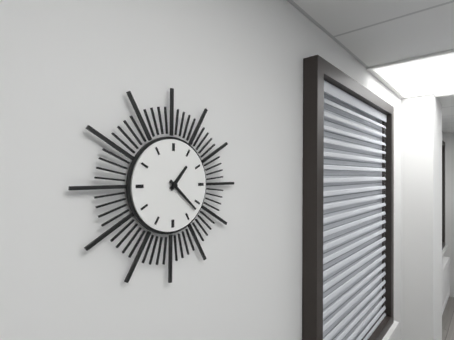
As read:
{"hour": 1, "minute": 22}
